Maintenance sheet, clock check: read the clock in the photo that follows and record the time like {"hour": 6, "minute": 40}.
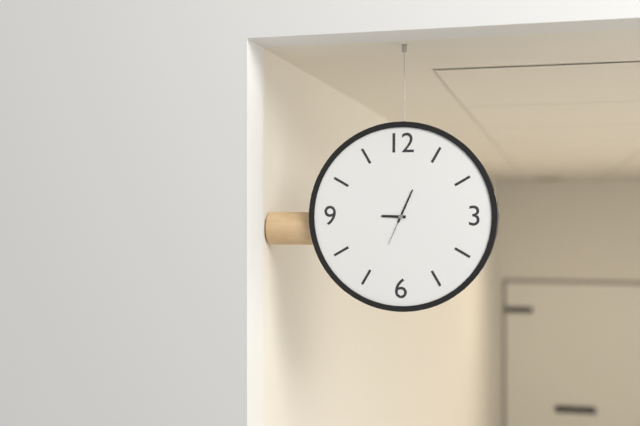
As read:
{"hour": 9, "minute": 4}
